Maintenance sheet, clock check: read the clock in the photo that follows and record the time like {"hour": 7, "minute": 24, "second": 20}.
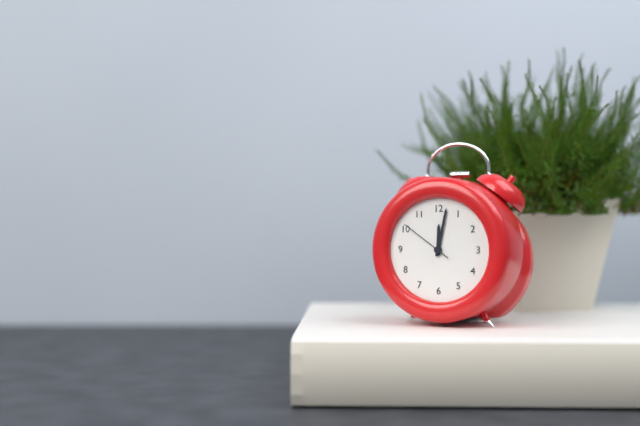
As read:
{"hour": 12, "minute": 2, "second": 51}
